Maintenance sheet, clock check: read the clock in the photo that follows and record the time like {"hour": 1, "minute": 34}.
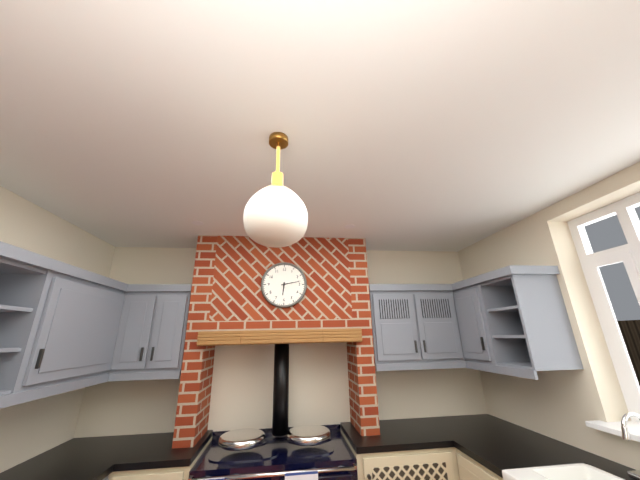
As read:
{"hour": 6, "minute": 13}
